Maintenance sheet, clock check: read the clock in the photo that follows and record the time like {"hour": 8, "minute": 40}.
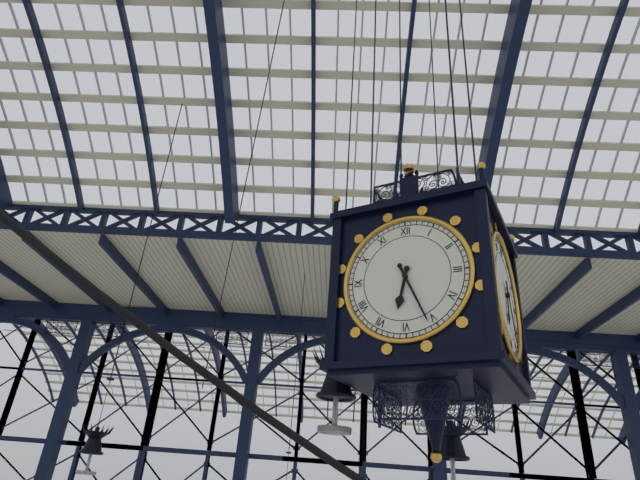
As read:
{"hour": 6, "minute": 26}
